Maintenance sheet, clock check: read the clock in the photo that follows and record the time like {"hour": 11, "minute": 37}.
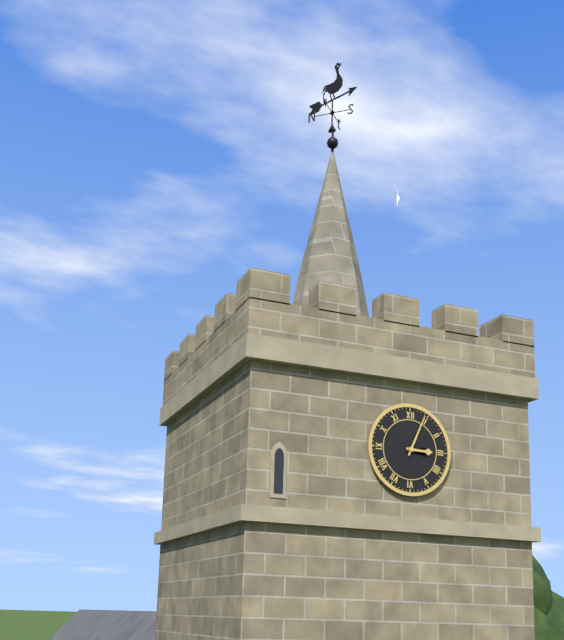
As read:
{"hour": 3, "minute": 4}
